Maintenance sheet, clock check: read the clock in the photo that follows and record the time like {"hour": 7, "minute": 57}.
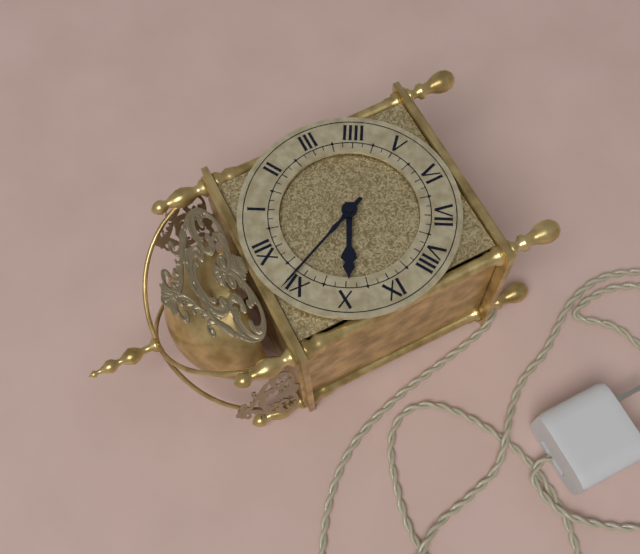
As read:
{"hour": 9, "minute": 56}
